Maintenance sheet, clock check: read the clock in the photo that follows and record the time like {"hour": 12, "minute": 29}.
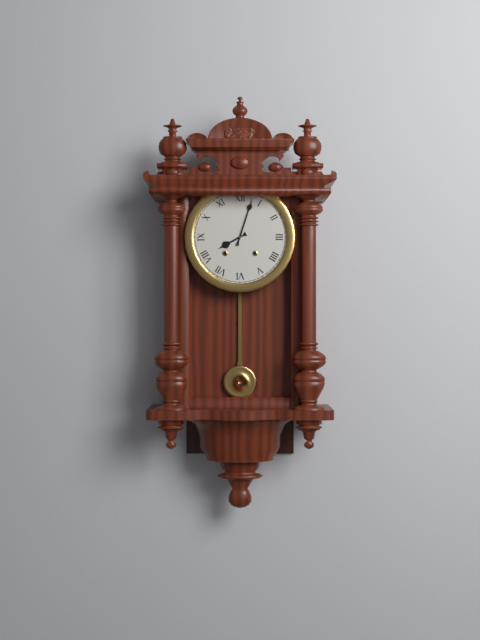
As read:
{"hour": 8, "minute": 3}
